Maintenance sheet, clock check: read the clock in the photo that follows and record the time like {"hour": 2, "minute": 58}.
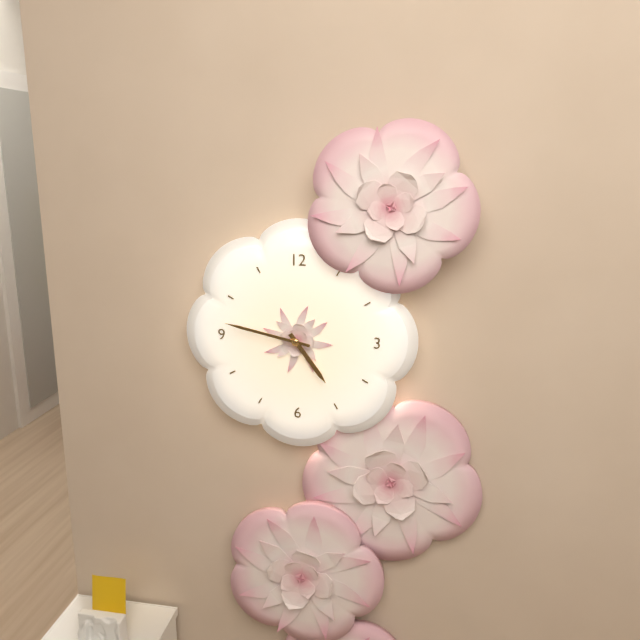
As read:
{"hour": 4, "minute": 47}
